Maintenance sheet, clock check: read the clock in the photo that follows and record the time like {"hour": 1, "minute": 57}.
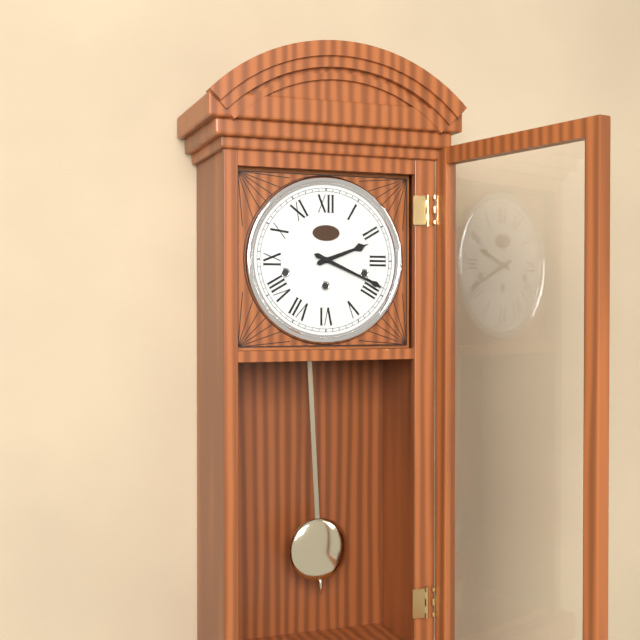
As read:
{"hour": 2, "minute": 19}
